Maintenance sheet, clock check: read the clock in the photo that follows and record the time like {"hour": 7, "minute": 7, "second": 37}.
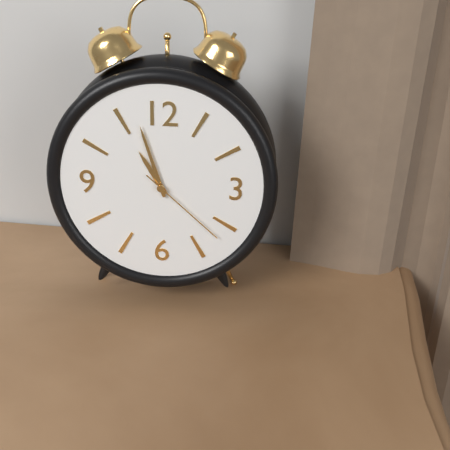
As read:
{"hour": 10, "minute": 57, "second": 22}
